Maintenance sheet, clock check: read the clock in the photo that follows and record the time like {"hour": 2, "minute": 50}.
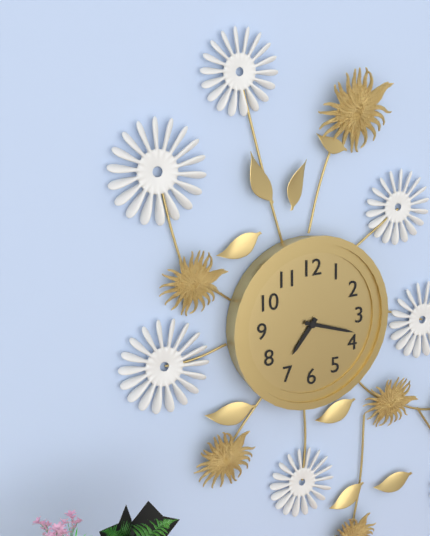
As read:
{"hour": 7, "minute": 18}
